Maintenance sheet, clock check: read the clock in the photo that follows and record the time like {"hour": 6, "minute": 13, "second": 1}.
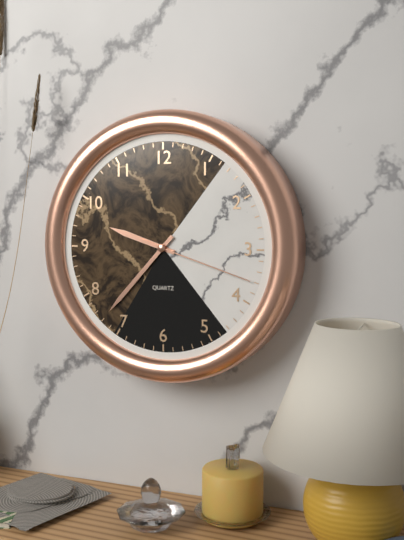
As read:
{"hour": 9, "minute": 37, "second": 18}
